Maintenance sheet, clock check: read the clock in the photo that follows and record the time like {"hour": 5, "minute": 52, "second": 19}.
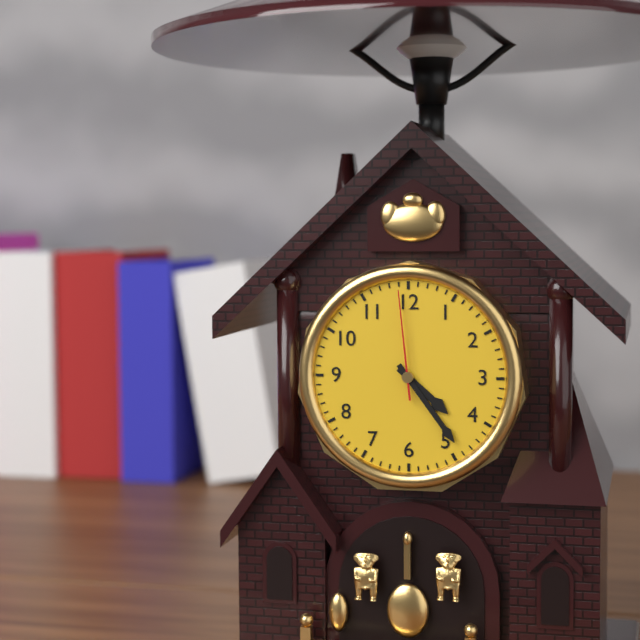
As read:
{"hour": 4, "minute": 24, "second": 59}
